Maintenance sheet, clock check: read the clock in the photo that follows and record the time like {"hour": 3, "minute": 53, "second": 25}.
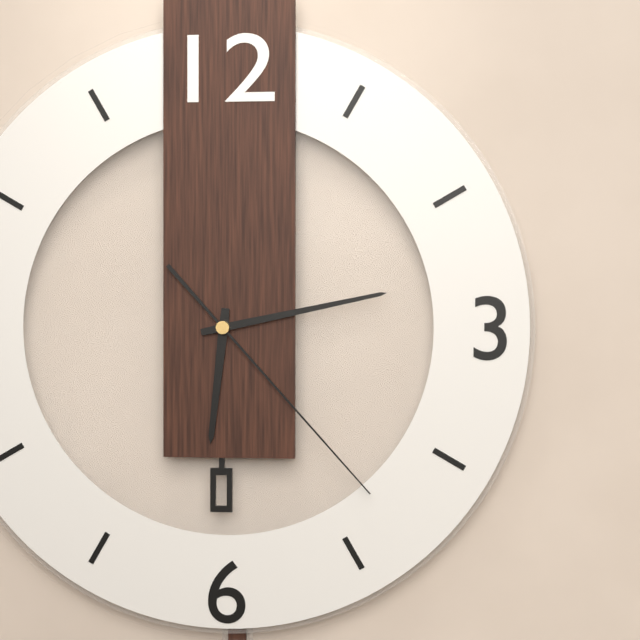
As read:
{"hour": 6, "minute": 13, "second": 23}
